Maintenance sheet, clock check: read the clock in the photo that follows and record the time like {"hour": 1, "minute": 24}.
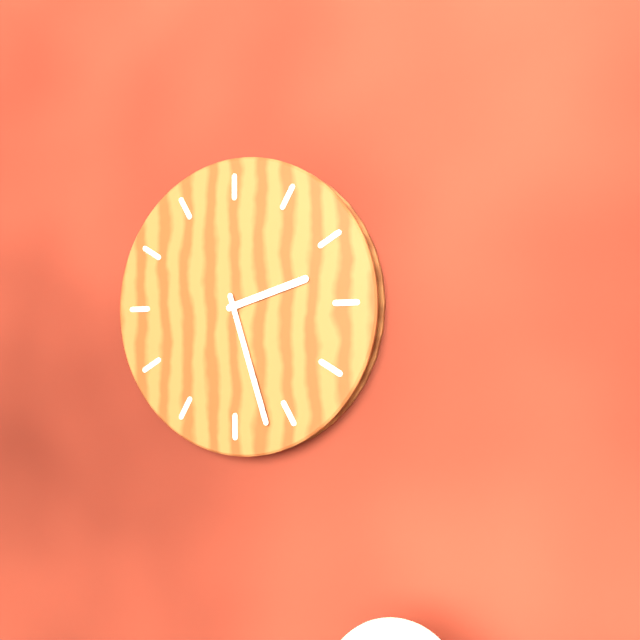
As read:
{"hour": 2, "minute": 27}
